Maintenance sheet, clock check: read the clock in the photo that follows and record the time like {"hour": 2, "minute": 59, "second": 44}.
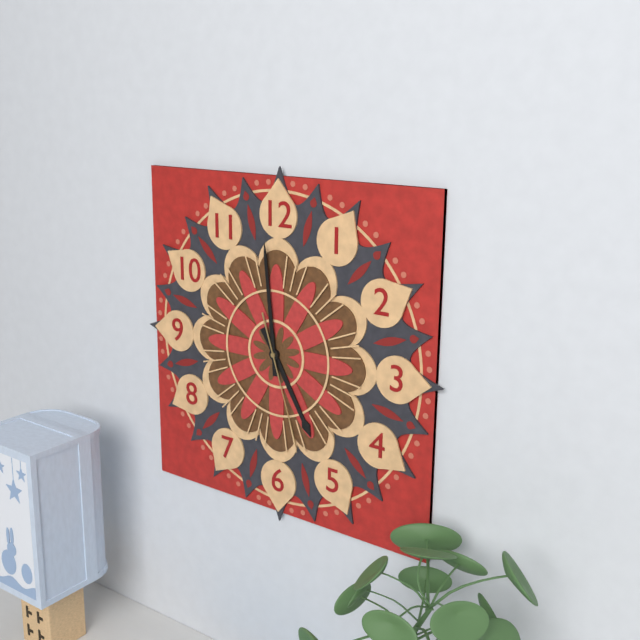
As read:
{"hour": 4, "minute": 59, "second": 27}
